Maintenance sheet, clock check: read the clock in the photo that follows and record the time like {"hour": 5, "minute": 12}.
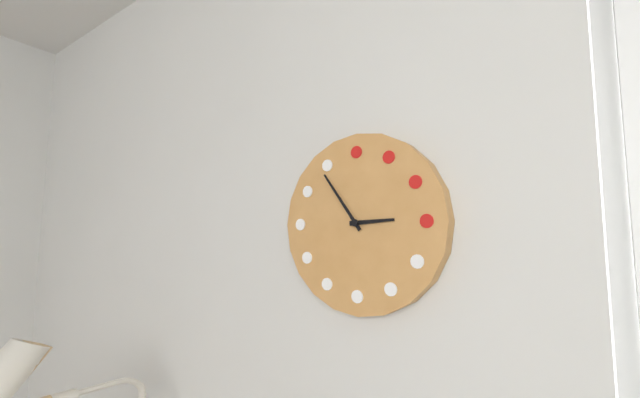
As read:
{"hour": 2, "minute": 54}
